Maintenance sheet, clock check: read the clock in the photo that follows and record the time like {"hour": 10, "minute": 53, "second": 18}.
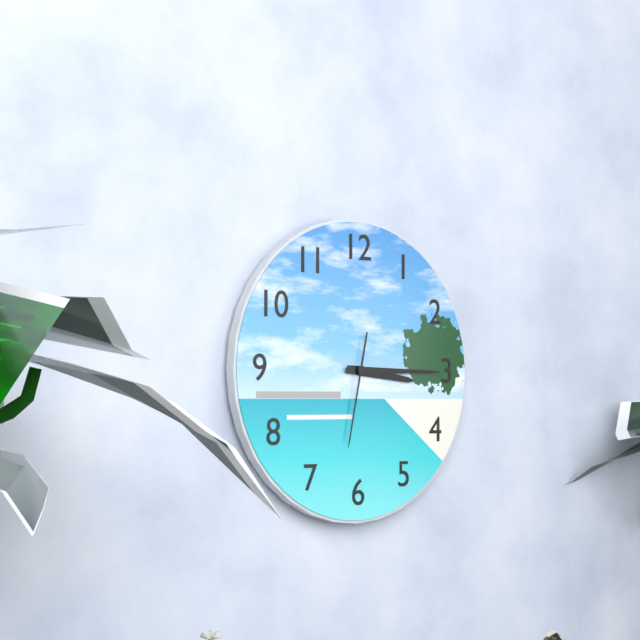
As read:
{"hour": 3, "minute": 15, "second": 32}
